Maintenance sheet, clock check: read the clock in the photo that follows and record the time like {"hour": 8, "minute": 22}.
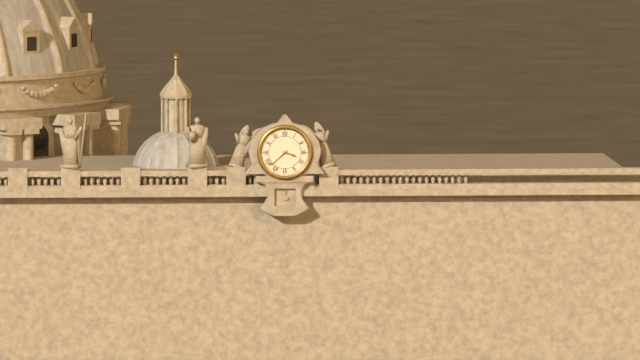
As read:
{"hour": 3, "minute": 38}
